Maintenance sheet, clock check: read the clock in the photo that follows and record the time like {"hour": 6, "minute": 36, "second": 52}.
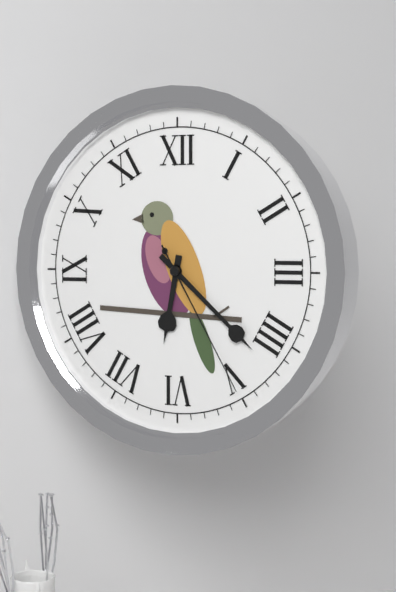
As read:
{"hour": 6, "minute": 22, "second": 25}
